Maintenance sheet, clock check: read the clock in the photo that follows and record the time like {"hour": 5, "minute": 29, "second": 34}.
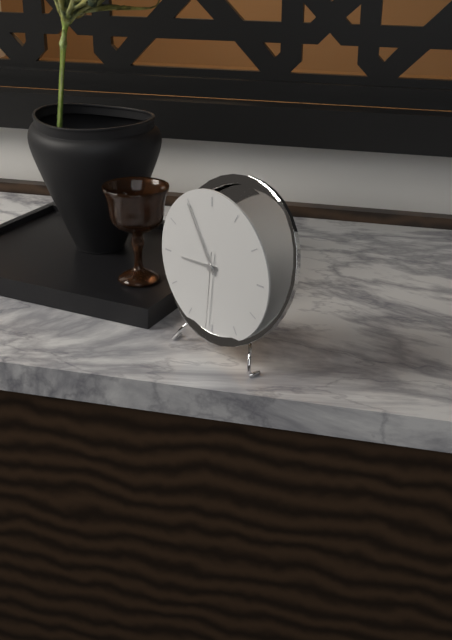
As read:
{"hour": 8, "minute": 55, "second": 31}
